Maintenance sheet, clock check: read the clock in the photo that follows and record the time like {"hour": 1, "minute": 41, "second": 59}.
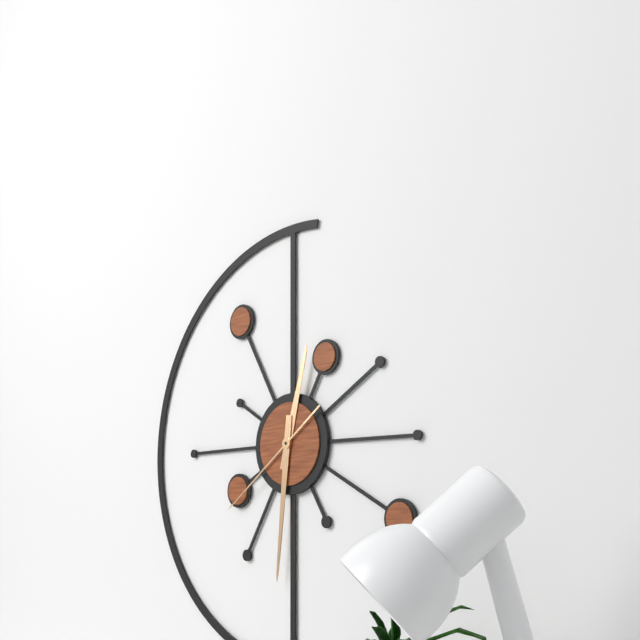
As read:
{"hour": 12, "minute": 31, "second": 39}
